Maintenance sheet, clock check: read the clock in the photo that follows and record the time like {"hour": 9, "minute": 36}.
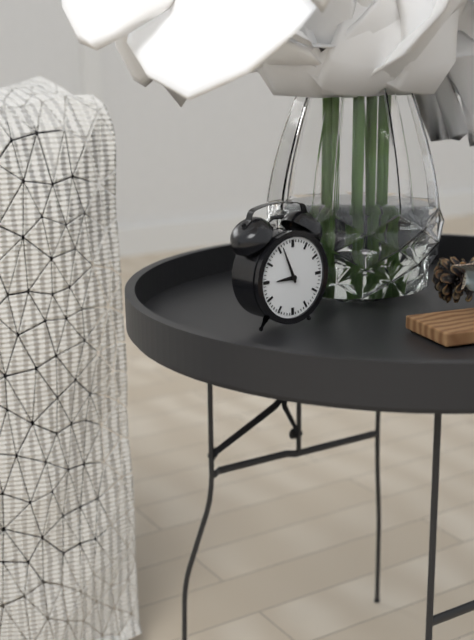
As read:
{"hour": 8, "minute": 56}
